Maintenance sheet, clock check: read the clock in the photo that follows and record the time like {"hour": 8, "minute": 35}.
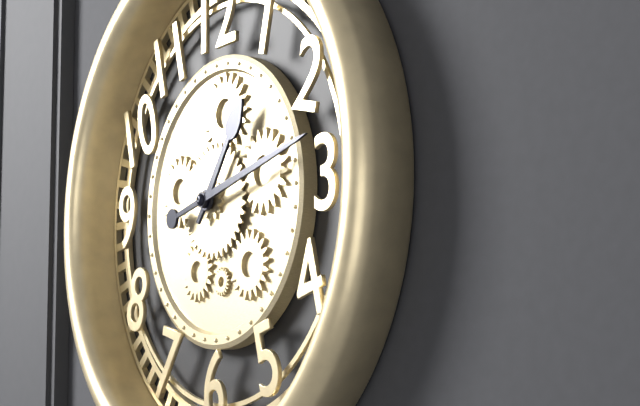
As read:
{"hour": 1, "minute": 13}
